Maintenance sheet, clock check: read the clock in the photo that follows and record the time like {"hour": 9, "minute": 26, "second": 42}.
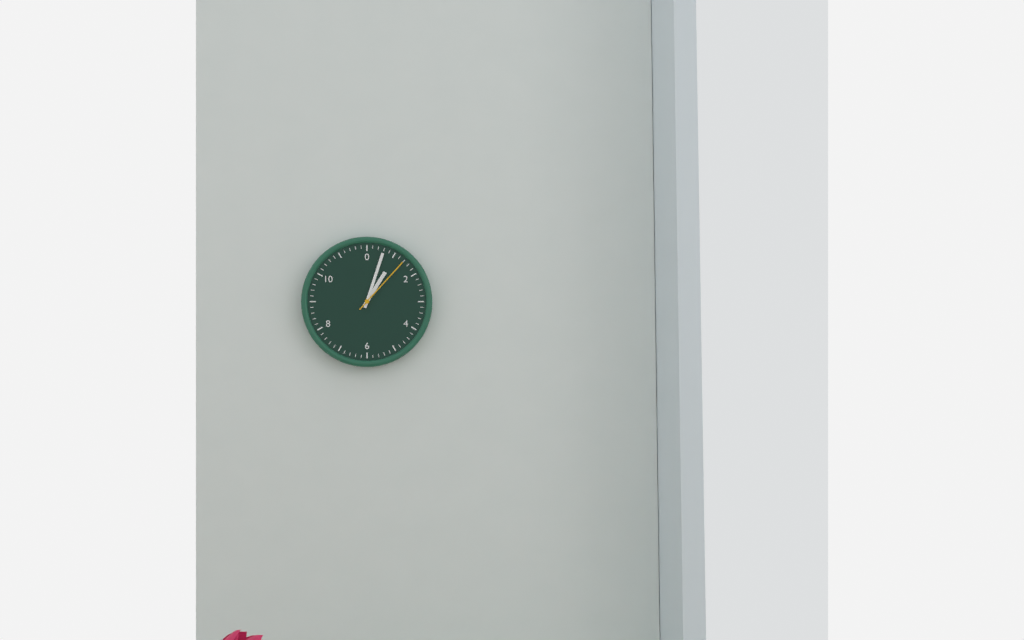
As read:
{"hour": 1, "minute": 3, "second": 7}
